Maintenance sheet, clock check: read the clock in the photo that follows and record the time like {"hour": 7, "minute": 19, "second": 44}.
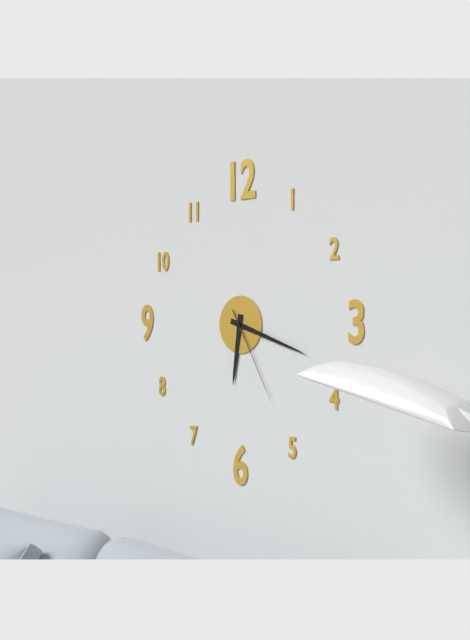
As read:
{"hour": 6, "minute": 18, "second": 25}
